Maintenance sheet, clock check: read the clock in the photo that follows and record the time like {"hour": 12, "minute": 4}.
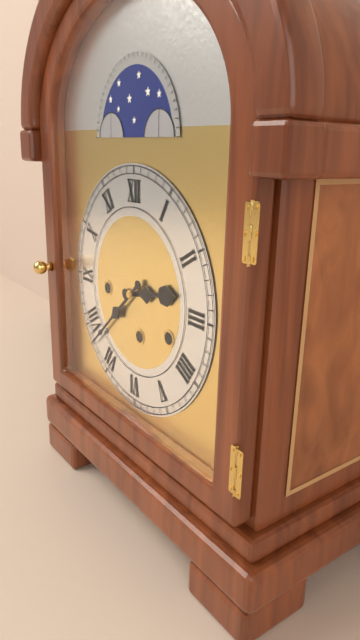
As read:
{"hour": 2, "minute": 38}
